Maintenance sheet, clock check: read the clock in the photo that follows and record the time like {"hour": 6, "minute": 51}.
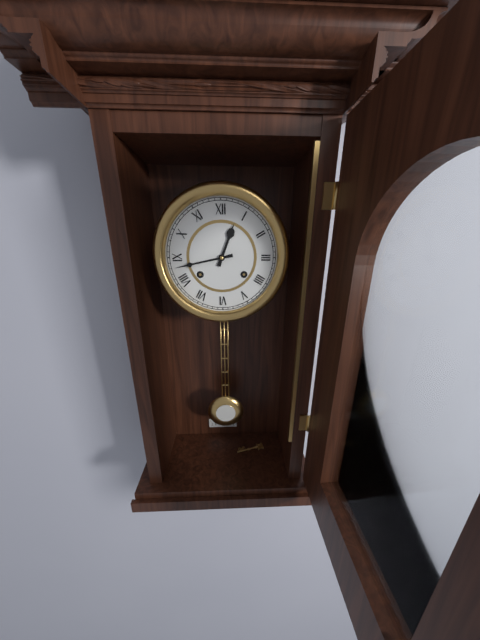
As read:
{"hour": 12, "minute": 43}
